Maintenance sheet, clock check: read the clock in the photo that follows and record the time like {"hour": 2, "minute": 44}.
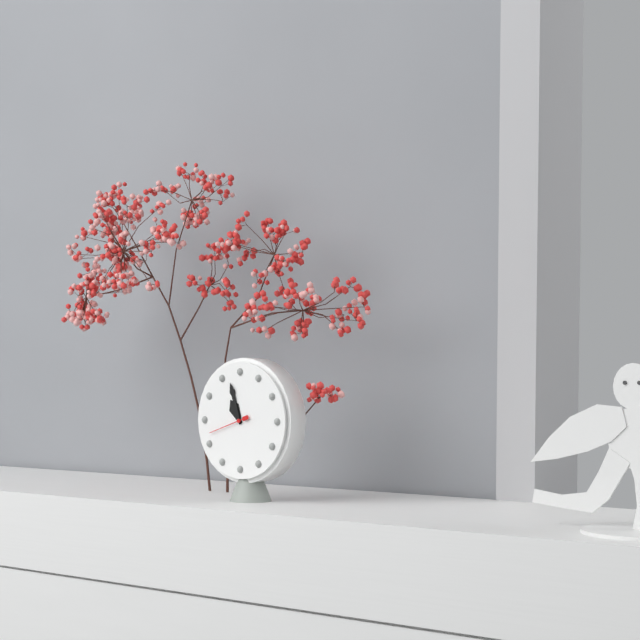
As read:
{"hour": 10, "minute": 57}
